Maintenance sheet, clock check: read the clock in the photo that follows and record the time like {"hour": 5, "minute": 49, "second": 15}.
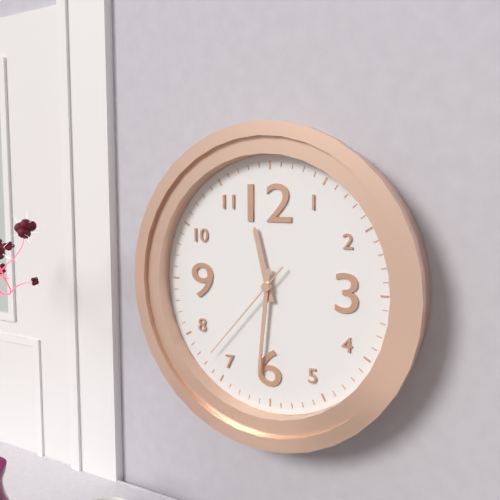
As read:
{"hour": 11, "minute": 31, "second": 37}
